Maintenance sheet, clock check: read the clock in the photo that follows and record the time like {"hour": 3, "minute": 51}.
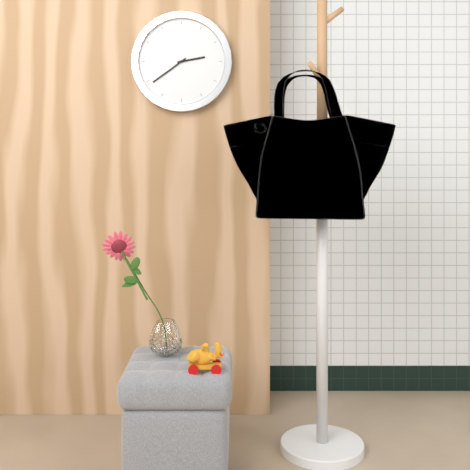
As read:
{"hour": 2, "minute": 39}
